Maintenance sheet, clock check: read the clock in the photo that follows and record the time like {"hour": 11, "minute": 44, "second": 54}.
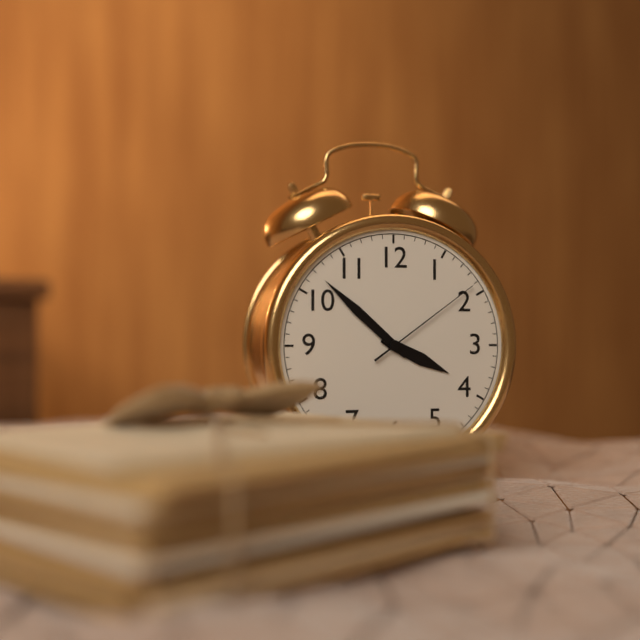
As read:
{"hour": 3, "minute": 52, "second": 9}
